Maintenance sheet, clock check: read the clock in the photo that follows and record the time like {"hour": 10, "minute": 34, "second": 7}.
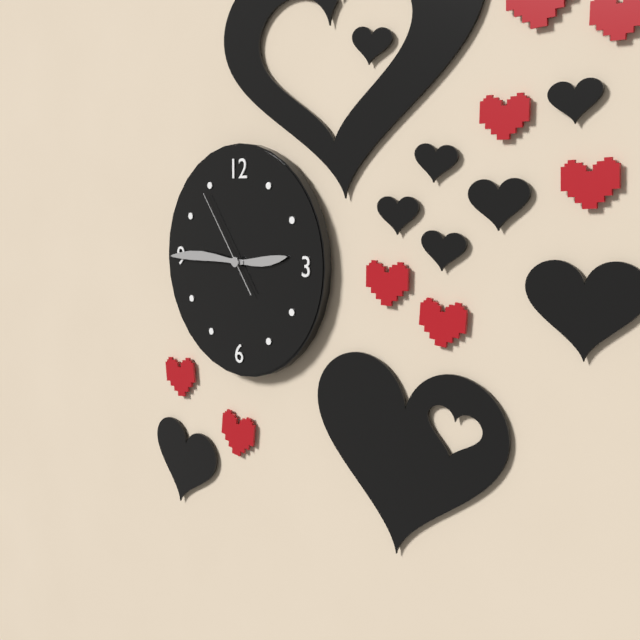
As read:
{"hour": 2, "minute": 45, "second": 54}
